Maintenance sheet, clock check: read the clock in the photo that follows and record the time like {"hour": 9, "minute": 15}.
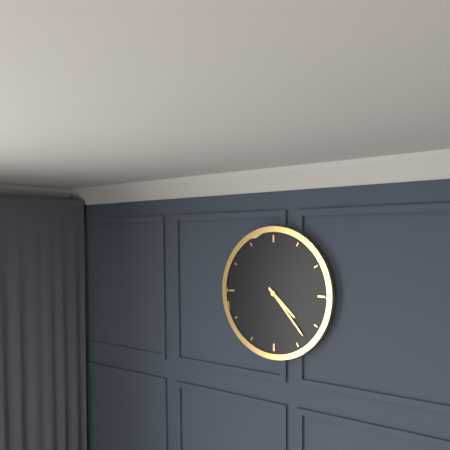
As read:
{"hour": 4, "minute": 23}
